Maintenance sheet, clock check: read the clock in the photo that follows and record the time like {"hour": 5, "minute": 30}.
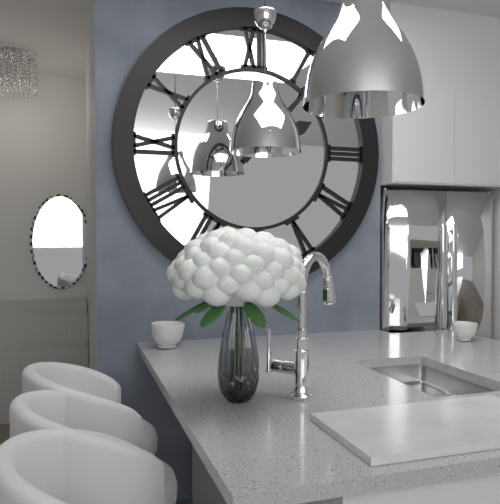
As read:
{"hour": 2, "minute": 7}
